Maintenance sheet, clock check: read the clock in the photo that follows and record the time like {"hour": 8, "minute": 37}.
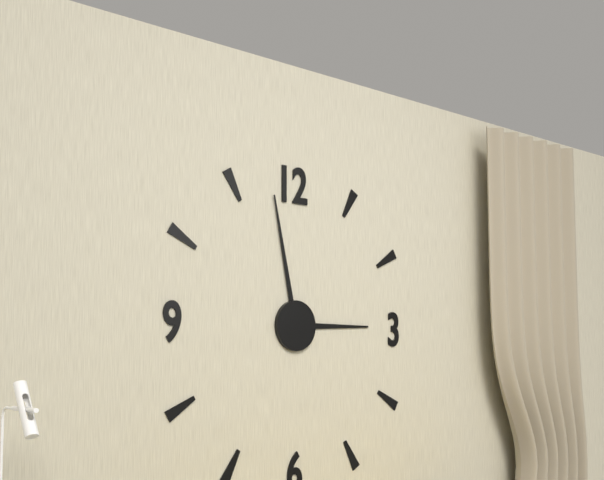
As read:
{"hour": 2, "minute": 58}
